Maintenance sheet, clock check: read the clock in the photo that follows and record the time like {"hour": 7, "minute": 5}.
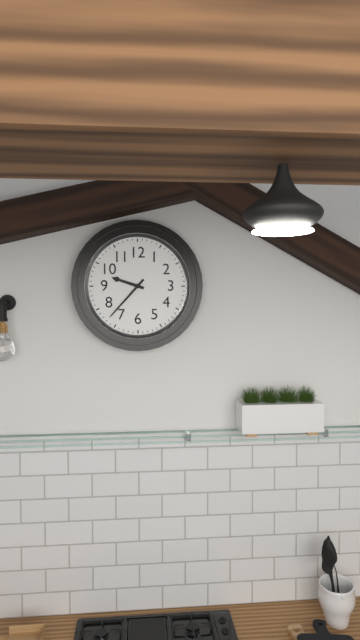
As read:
{"hour": 9, "minute": 37}
